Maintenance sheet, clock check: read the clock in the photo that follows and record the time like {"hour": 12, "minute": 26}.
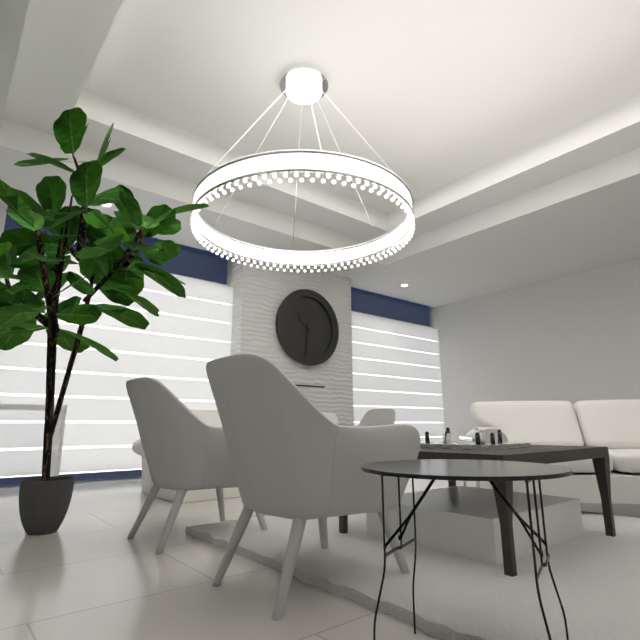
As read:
{"hour": 10, "minute": 31}
